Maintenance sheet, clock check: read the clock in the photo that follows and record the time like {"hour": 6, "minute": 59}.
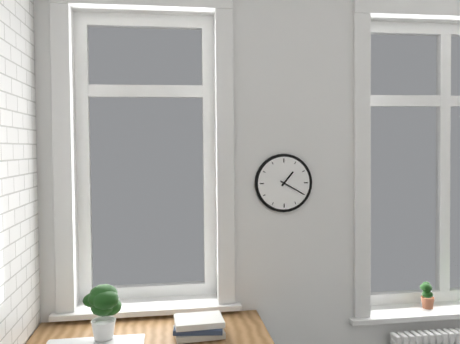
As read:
{"hour": 1, "minute": 20}
